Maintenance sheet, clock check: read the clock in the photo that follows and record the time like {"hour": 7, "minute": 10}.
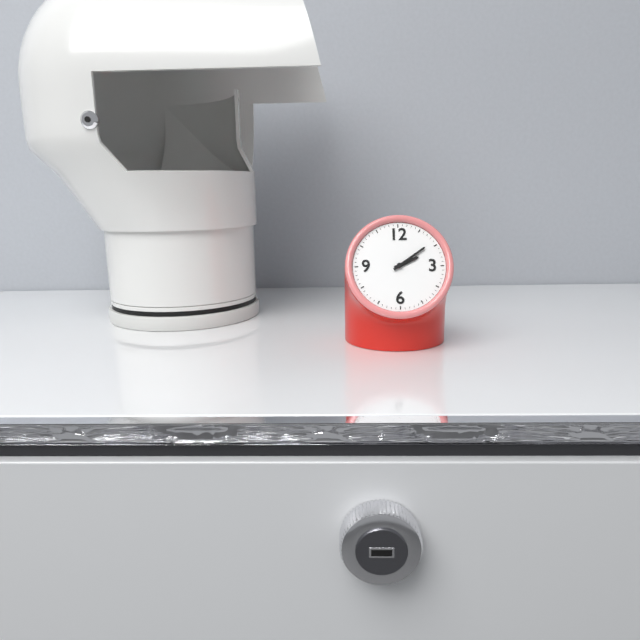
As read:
{"hour": 2, "minute": 9}
